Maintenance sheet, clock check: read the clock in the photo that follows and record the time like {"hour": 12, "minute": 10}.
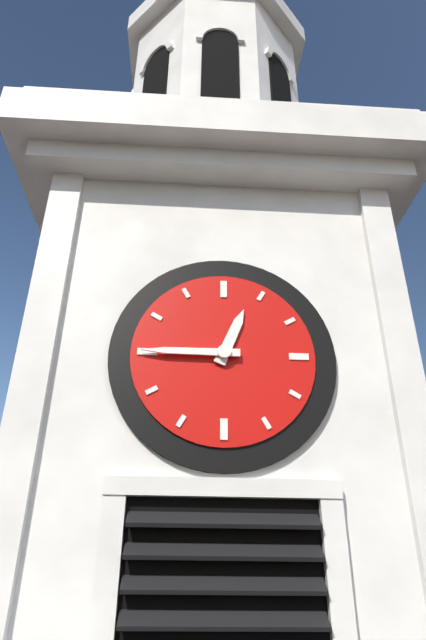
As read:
{"hour": 12, "minute": 45}
